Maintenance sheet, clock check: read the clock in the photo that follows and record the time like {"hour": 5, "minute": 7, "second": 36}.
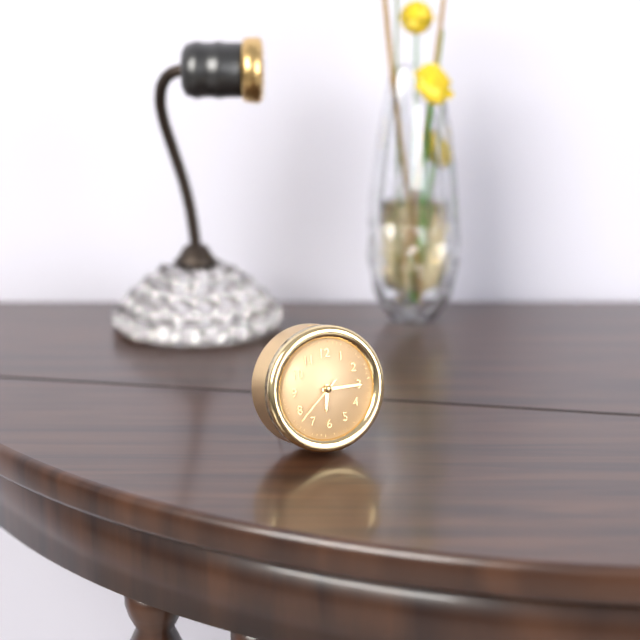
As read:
{"hour": 6, "minute": 15, "second": 38}
